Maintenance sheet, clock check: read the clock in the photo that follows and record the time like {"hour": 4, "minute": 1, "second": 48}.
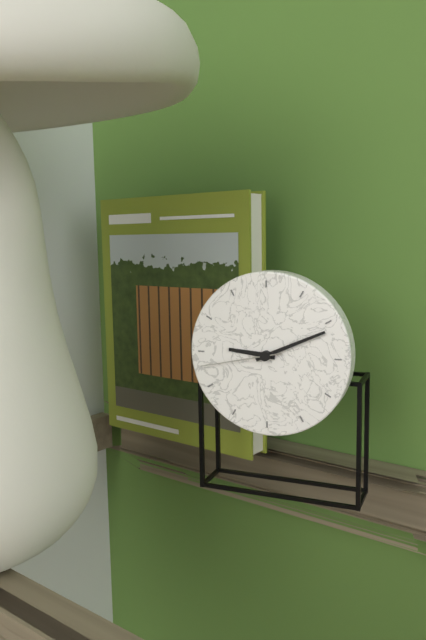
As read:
{"hour": 9, "minute": 11, "second": 43}
